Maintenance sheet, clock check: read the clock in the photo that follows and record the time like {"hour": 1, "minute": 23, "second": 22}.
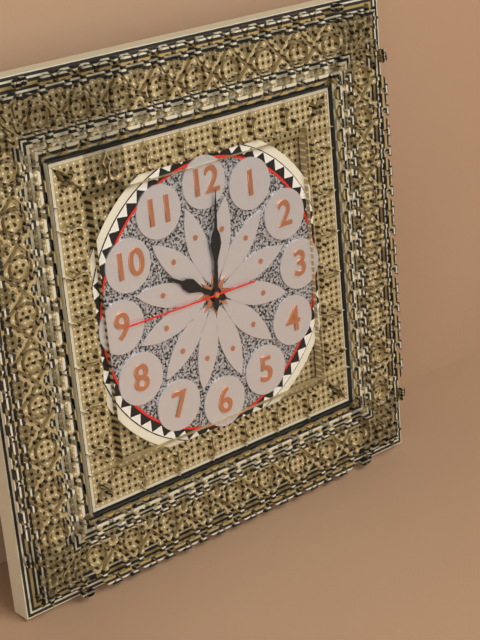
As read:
{"hour": 10, "minute": 1, "second": 45}
